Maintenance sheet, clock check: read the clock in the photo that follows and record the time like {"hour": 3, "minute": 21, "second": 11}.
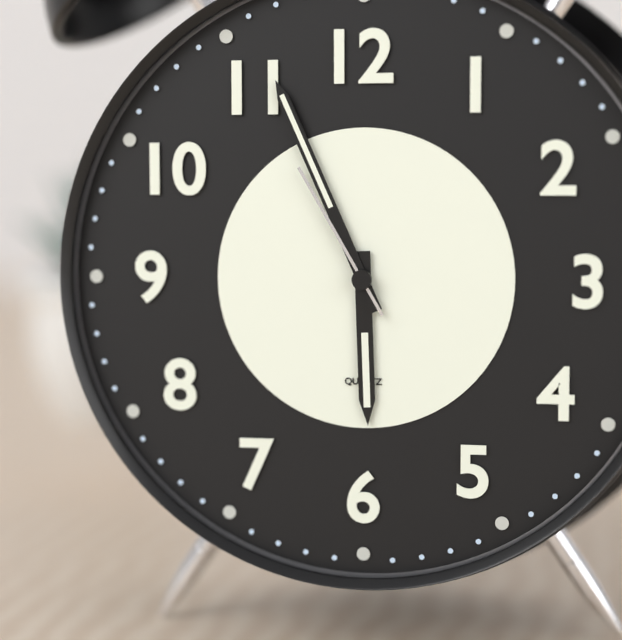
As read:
{"hour": 5, "minute": 56, "second": 55}
